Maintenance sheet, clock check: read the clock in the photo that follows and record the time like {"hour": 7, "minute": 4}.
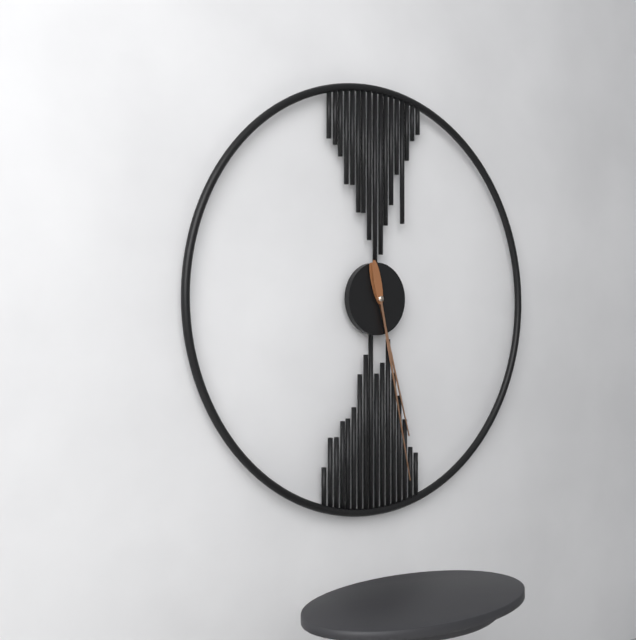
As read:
{"hour": 5, "minute": 28}
